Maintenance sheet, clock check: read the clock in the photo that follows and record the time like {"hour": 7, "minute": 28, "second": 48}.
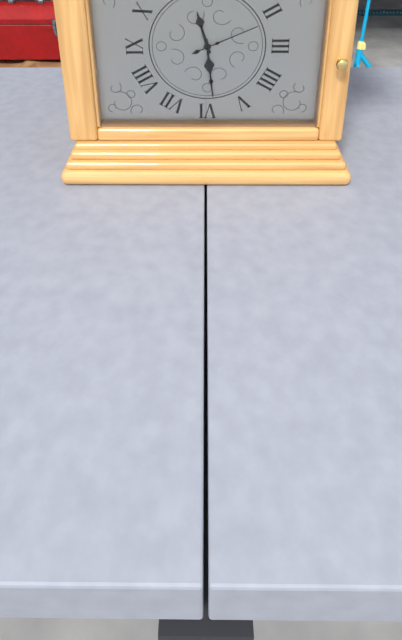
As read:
{"hour": 11, "minute": 29, "second": 11}
